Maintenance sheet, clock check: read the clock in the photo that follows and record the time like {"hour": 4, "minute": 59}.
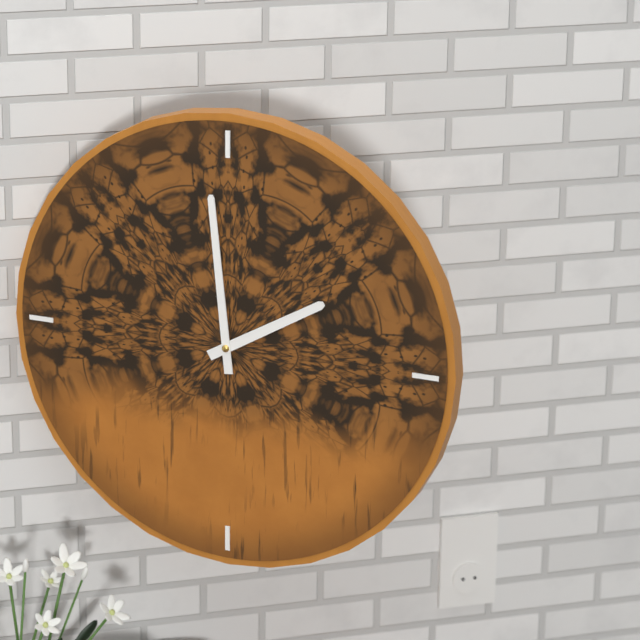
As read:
{"hour": 1, "minute": 59}
